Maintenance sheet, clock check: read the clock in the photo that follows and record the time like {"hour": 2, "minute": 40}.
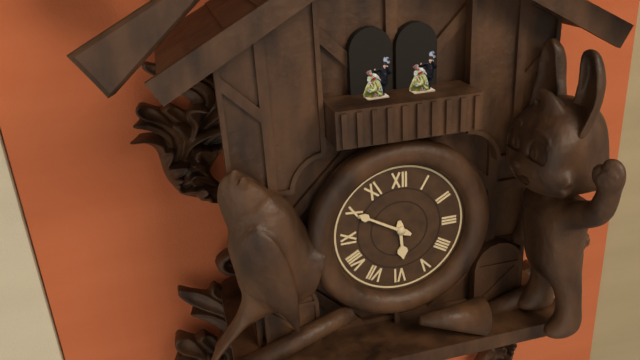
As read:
{"hour": 5, "minute": 50}
